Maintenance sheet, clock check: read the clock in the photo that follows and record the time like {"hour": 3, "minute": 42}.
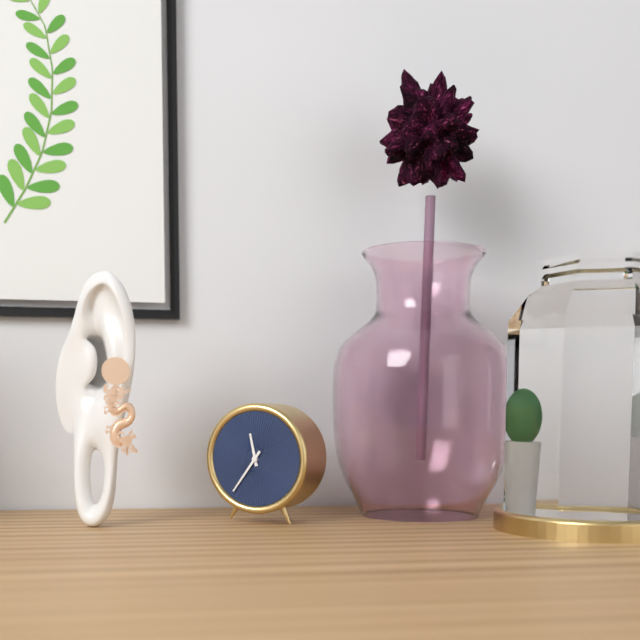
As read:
{"hour": 11, "minute": 36}
